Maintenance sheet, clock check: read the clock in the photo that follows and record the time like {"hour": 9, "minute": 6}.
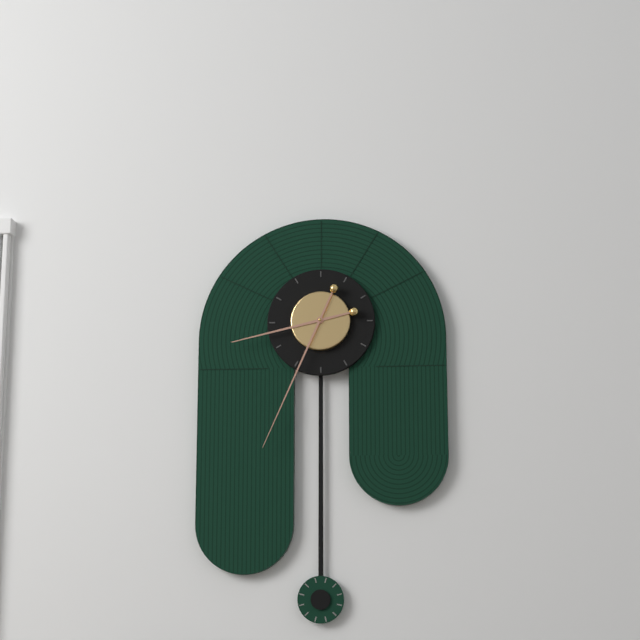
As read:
{"hour": 8, "minute": 34}
